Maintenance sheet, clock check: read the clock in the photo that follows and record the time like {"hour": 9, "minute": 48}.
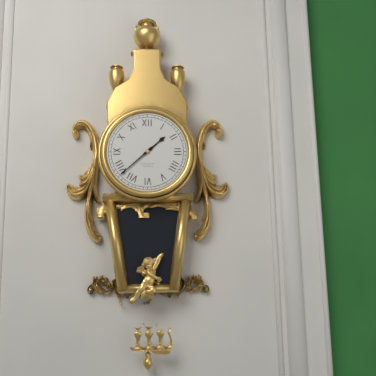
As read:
{"hour": 1, "minute": 38}
